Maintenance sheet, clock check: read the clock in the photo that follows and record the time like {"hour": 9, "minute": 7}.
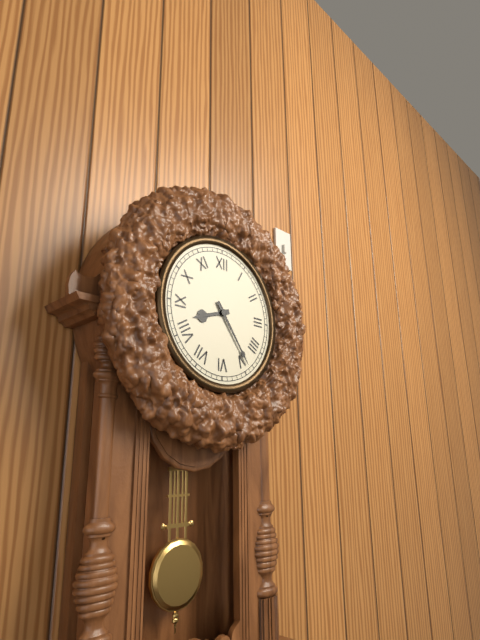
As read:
{"hour": 8, "minute": 24}
